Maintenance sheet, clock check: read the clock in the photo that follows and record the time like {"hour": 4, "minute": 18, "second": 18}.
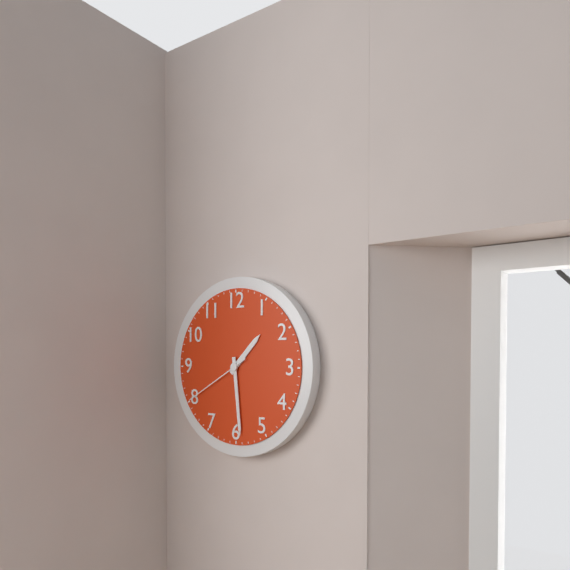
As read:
{"hour": 1, "minute": 29, "second": 40}
